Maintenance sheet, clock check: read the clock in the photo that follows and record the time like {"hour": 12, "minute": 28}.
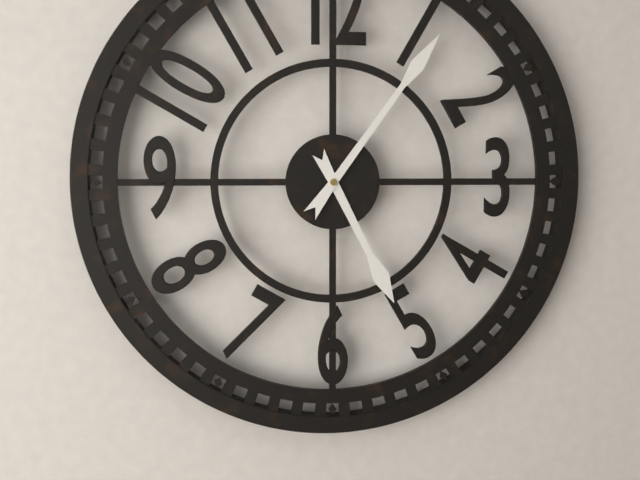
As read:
{"hour": 5, "minute": 6}
